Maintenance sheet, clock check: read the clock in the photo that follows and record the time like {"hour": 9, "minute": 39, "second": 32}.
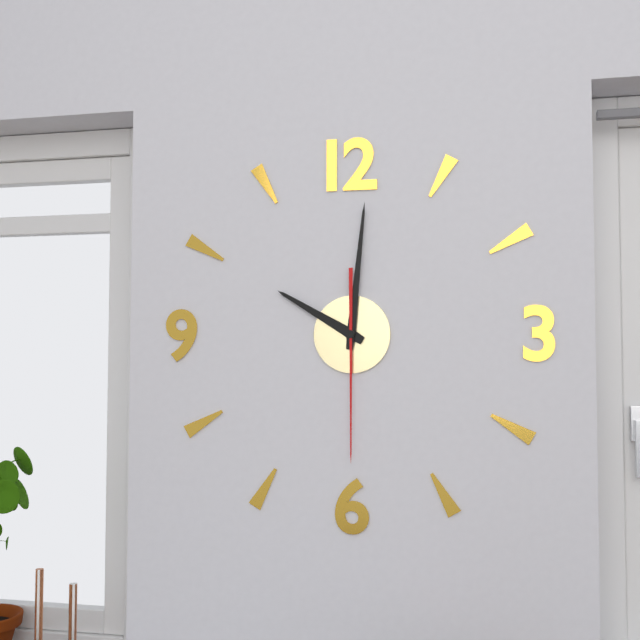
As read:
{"hour": 10, "minute": 1, "second": 30}
